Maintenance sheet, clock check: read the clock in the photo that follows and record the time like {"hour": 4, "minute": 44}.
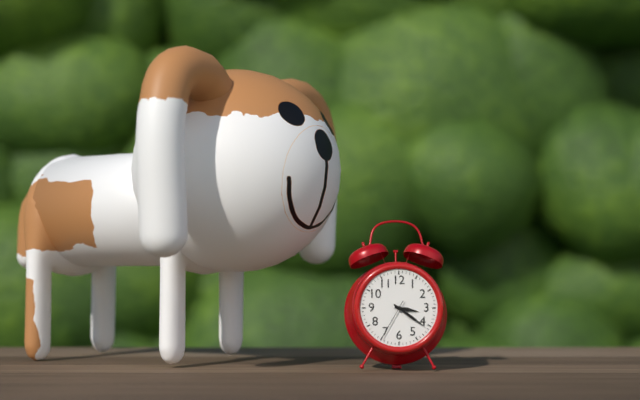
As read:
{"hour": 3, "minute": 21}
